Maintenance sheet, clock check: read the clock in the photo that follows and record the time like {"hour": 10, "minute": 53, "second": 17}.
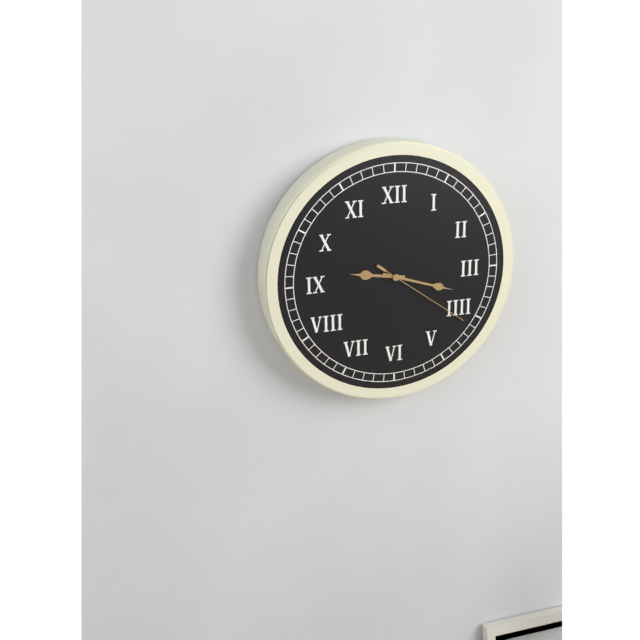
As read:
{"hour": 9, "minute": 18, "second": 21}
